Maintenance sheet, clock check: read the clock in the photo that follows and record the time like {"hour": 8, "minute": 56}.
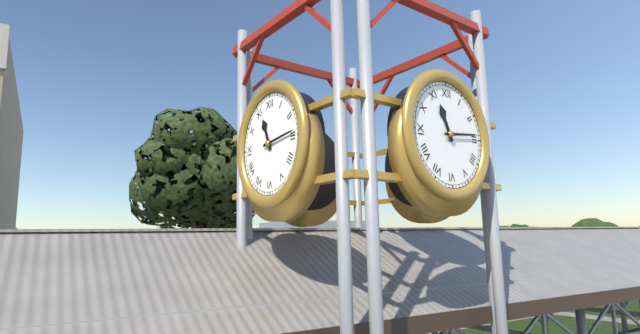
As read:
{"hour": 11, "minute": 14}
